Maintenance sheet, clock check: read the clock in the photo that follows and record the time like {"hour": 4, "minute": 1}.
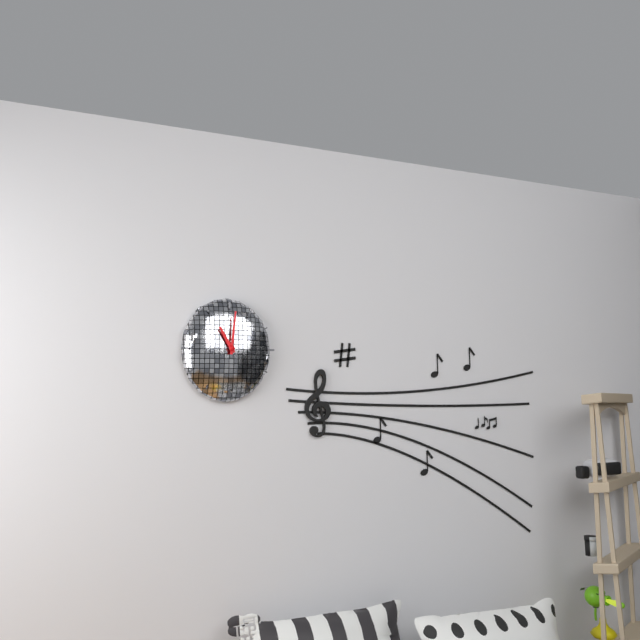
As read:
{"hour": 11, "minute": 1}
